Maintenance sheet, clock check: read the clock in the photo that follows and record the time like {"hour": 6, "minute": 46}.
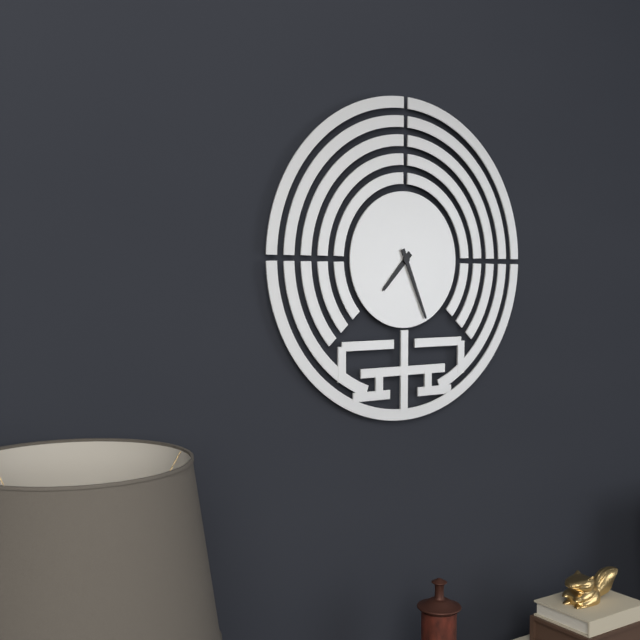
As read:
{"hour": 7, "minute": 26}
